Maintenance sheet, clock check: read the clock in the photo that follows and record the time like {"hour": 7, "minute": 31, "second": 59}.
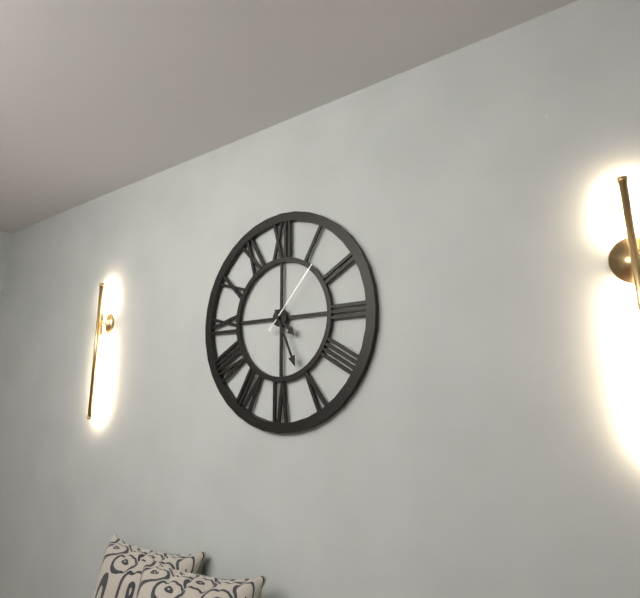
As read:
{"hour": 4, "minute": 26, "second": 7}
